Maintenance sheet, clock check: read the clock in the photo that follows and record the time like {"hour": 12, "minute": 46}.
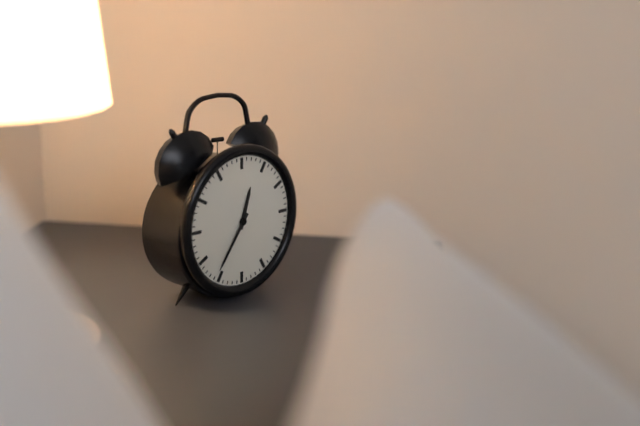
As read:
{"hour": 12, "minute": 36}
